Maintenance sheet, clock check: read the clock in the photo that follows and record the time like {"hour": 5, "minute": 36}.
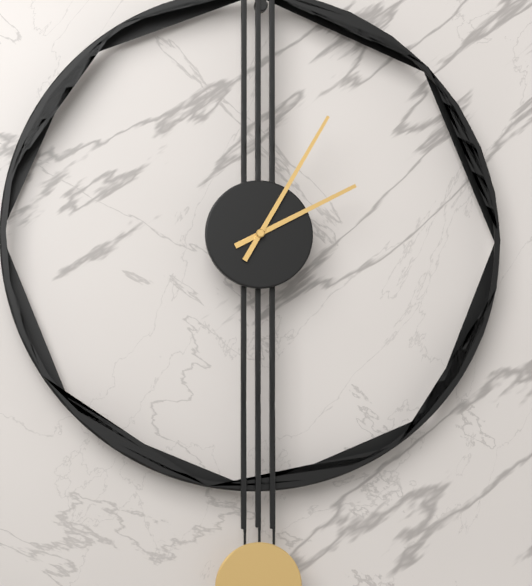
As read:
{"hour": 2, "minute": 5}
